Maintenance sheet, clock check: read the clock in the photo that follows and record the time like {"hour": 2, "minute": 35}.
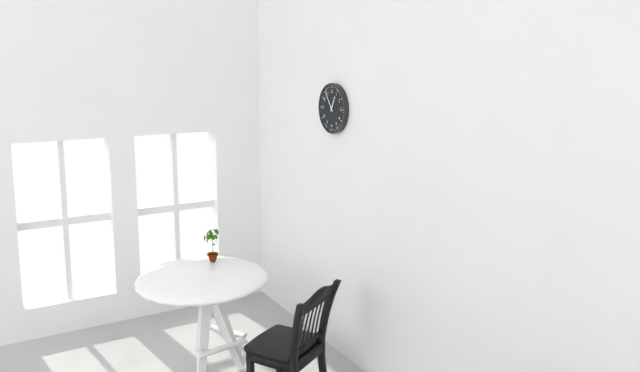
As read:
{"hour": 12, "minute": 54}
